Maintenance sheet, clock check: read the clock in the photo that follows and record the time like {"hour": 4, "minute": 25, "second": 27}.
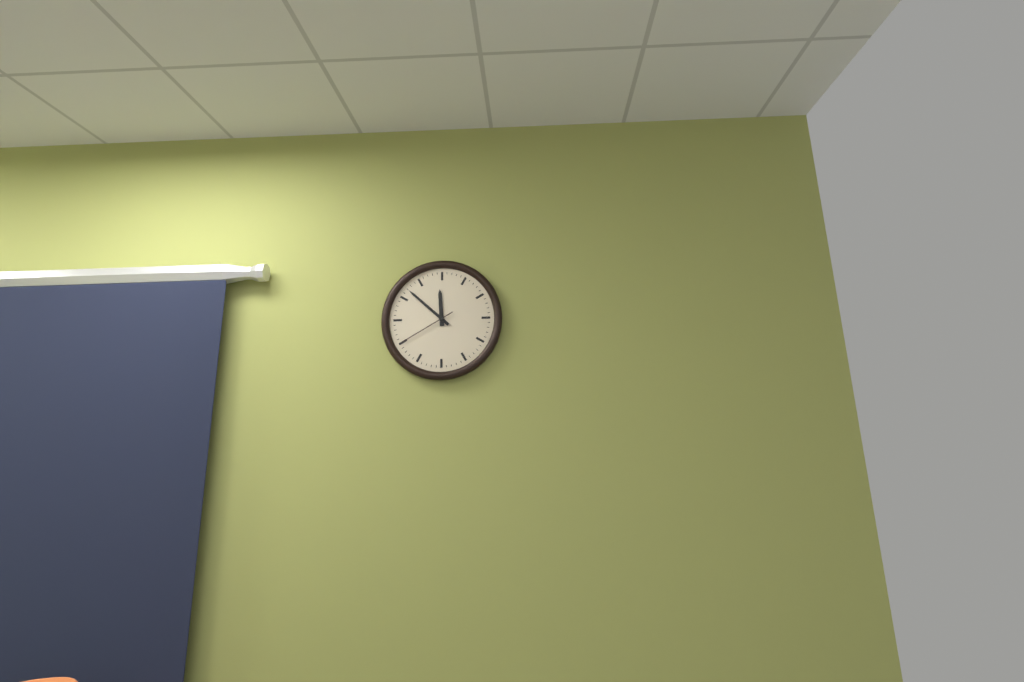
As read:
{"hour": 11, "minute": 52, "second": 40}
